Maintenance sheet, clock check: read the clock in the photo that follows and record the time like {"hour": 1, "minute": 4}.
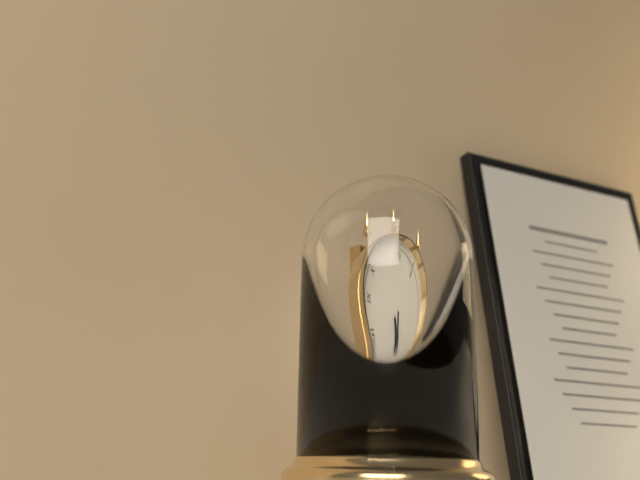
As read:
{"hour": 4, "minute": 30}
